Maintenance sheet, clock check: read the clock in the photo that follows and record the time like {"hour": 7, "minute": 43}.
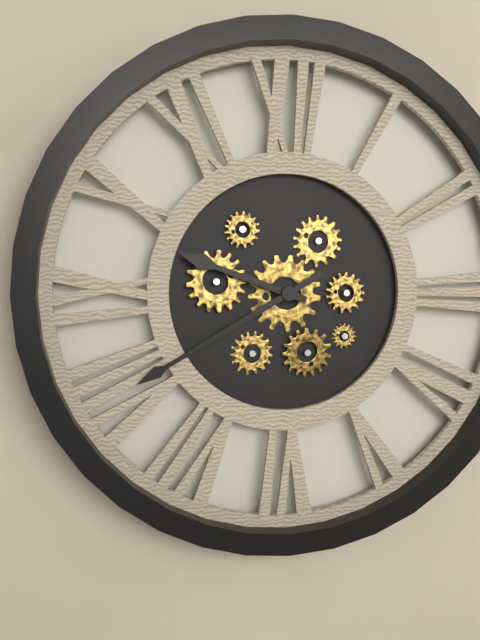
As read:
{"hour": 9, "minute": 40}
